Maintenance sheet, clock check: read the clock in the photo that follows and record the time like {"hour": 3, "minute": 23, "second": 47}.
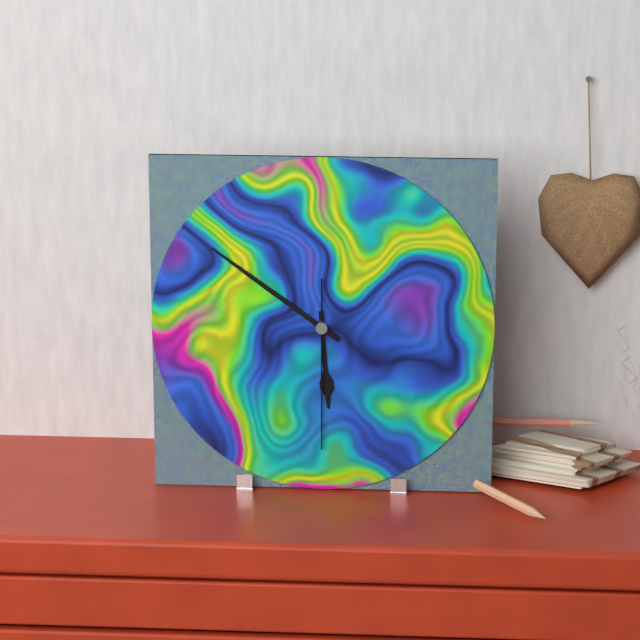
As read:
{"hour": 5, "minute": 51, "second": 30}
